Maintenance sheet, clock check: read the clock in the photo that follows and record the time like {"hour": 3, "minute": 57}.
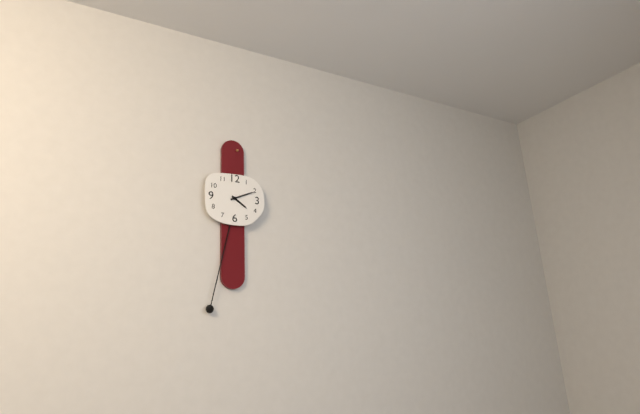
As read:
{"hour": 4, "minute": 11}
